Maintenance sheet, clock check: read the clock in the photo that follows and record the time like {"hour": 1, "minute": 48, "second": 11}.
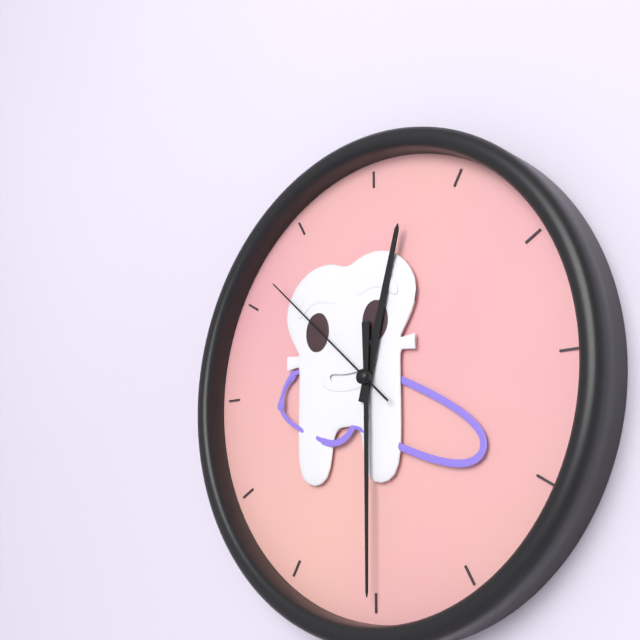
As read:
{"hour": 12, "minute": 30, "second": 52}
